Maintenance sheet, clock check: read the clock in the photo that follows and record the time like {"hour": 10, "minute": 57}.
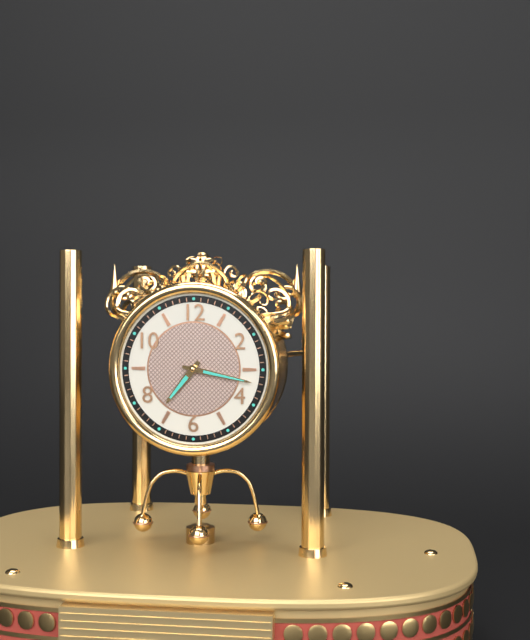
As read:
{"hour": 7, "minute": 17}
